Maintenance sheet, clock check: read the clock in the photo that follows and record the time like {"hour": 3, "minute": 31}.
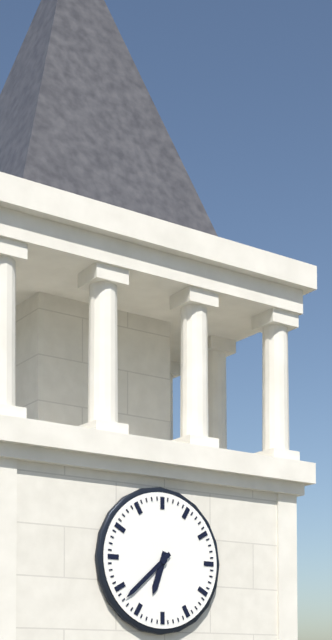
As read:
{"hour": 6, "minute": 38}
